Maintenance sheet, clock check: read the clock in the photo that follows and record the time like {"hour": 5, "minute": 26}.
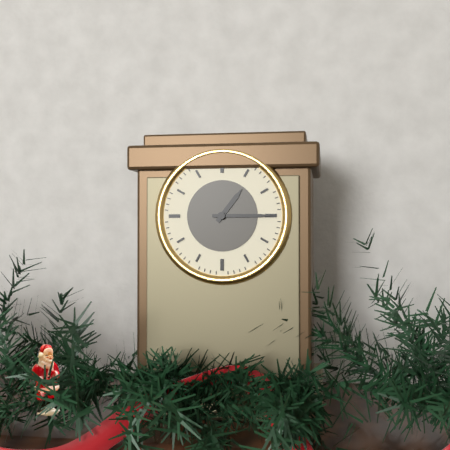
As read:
{"hour": 1, "minute": 15}
